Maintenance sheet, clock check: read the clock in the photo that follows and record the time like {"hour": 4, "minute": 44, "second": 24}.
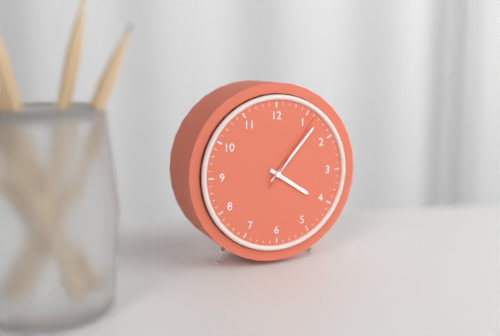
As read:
{"hour": 4, "minute": 7, "second": 6}
